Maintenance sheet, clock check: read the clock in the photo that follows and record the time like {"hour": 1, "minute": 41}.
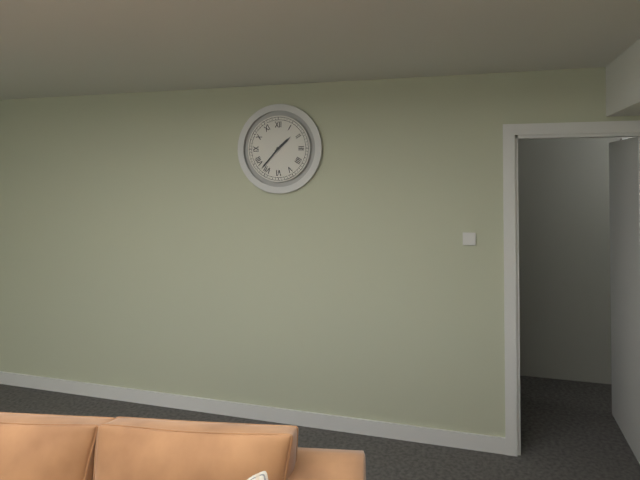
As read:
{"hour": 1, "minute": 37}
